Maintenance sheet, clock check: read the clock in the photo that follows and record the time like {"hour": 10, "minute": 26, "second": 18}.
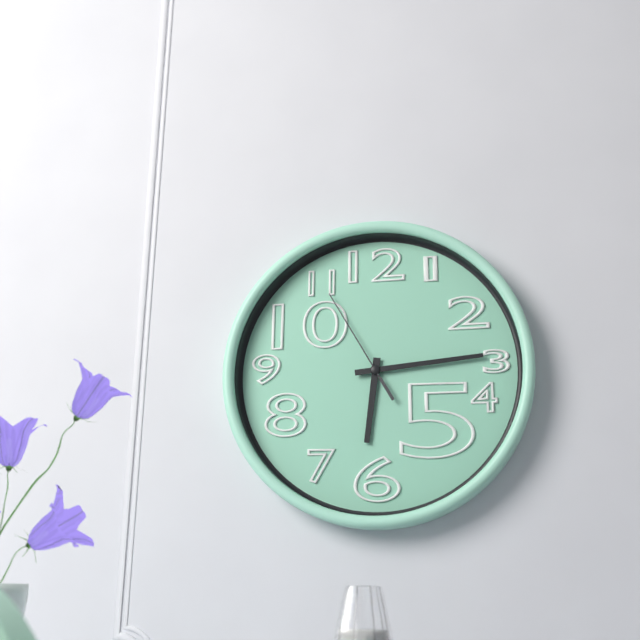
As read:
{"hour": 6, "minute": 14, "second": 55}
